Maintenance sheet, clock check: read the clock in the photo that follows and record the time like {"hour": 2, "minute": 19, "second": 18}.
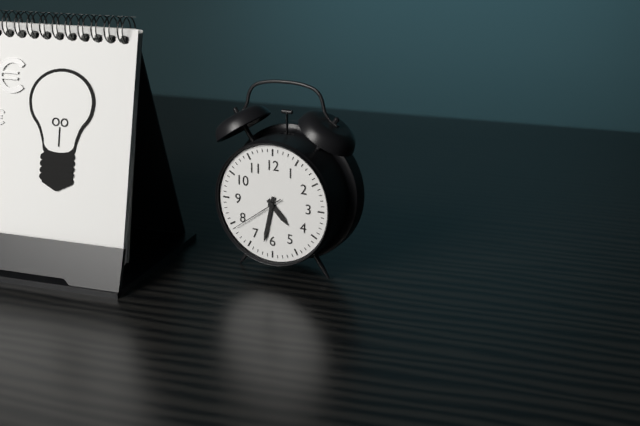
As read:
{"hour": 4, "minute": 32, "second": 39}
